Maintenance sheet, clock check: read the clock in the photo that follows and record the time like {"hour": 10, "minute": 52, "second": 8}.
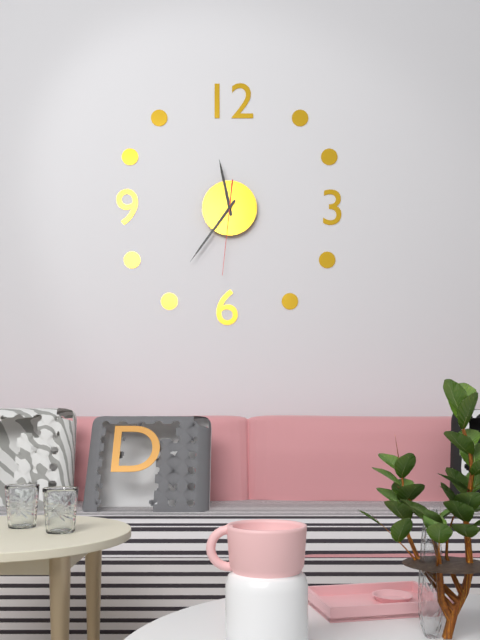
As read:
{"hour": 11, "minute": 36, "second": 31}
